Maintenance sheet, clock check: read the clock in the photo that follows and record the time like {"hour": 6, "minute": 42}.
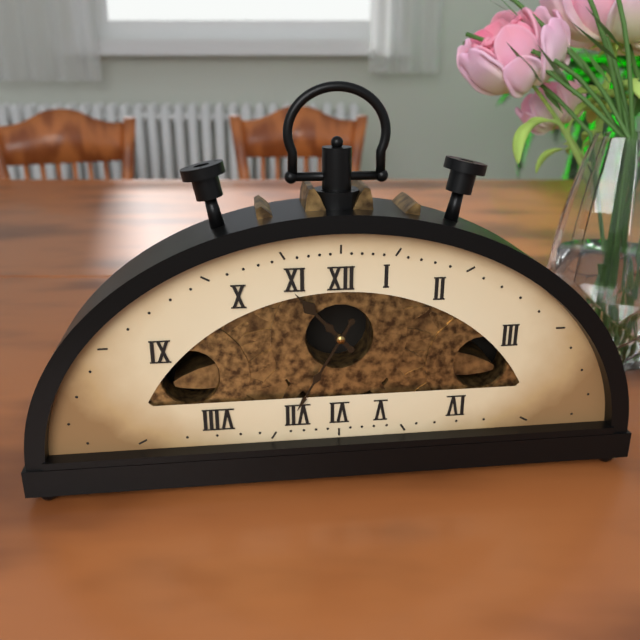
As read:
{"hour": 10, "minute": 35}
